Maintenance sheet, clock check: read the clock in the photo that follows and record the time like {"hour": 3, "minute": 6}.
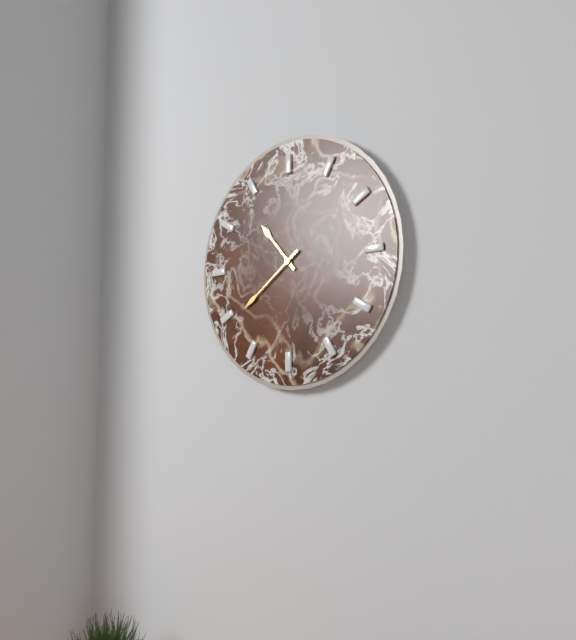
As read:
{"hour": 10, "minute": 39}
